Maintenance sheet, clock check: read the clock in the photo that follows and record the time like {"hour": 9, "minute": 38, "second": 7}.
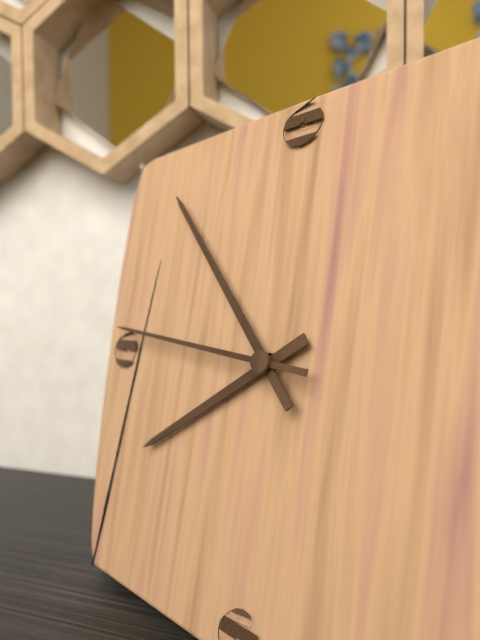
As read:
{"hour": 7, "minute": 53, "second": 46}
